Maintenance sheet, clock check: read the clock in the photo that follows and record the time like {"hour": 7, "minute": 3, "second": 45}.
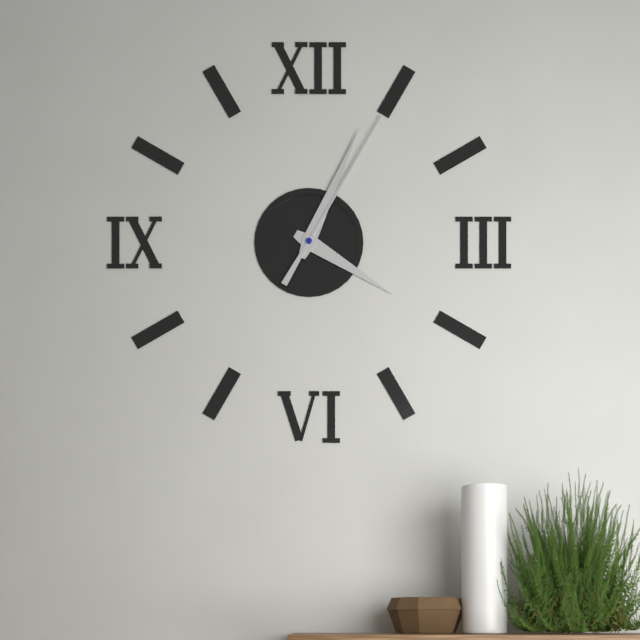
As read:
{"hour": 4, "minute": 4, "second": 5}
